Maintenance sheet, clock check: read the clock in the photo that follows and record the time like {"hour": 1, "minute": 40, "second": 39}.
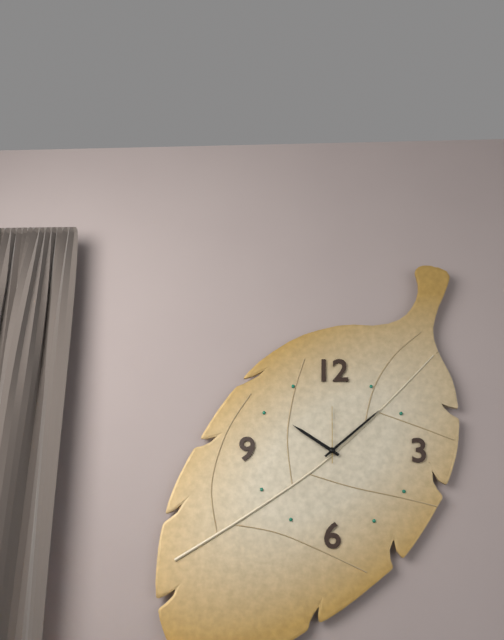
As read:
{"hour": 10, "minute": 8, "second": 0}
